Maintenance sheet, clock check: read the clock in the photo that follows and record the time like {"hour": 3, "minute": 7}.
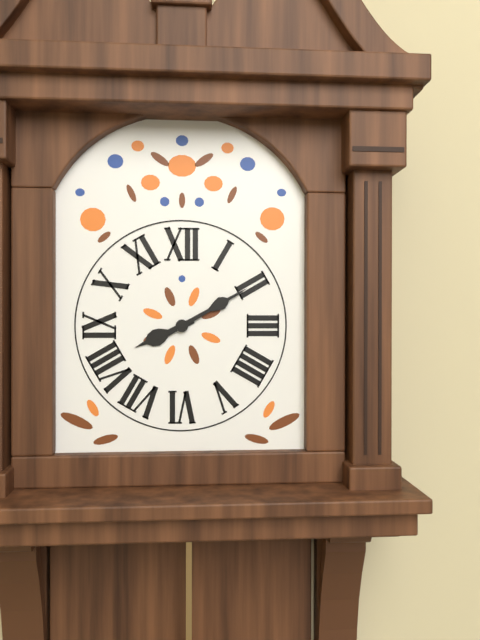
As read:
{"hour": 8, "minute": 10}
